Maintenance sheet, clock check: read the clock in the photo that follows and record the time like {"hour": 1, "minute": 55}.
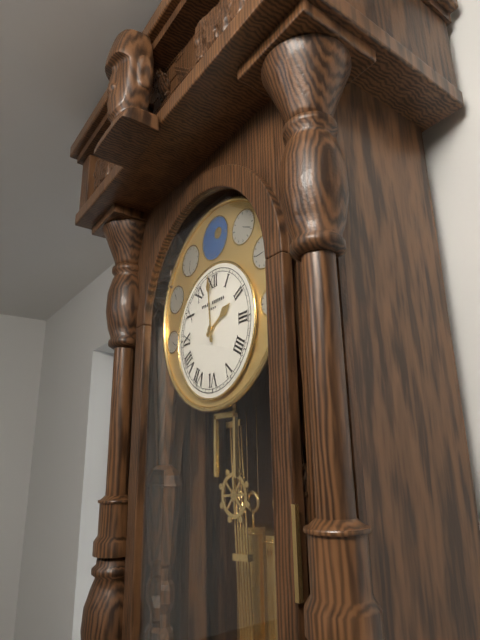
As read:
{"hour": 1, "minute": 59}
